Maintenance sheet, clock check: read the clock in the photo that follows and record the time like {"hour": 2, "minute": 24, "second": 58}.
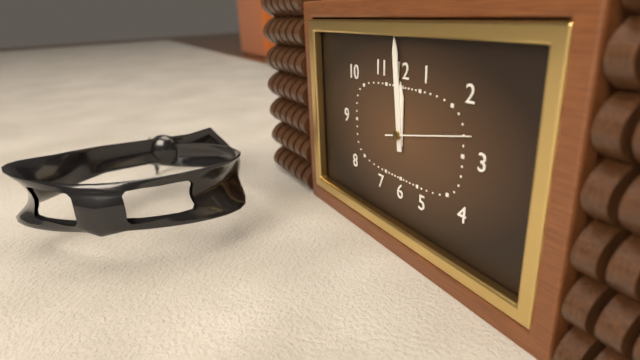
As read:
{"hour": 11, "minute": 59, "second": 13}
